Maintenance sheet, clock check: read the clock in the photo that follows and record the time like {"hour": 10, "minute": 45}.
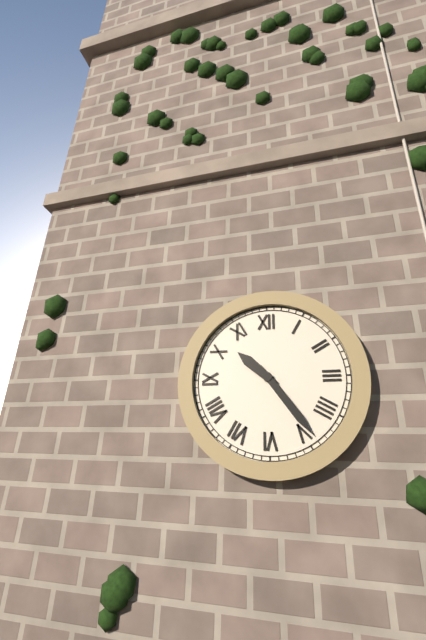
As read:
{"hour": 10, "minute": 24}
